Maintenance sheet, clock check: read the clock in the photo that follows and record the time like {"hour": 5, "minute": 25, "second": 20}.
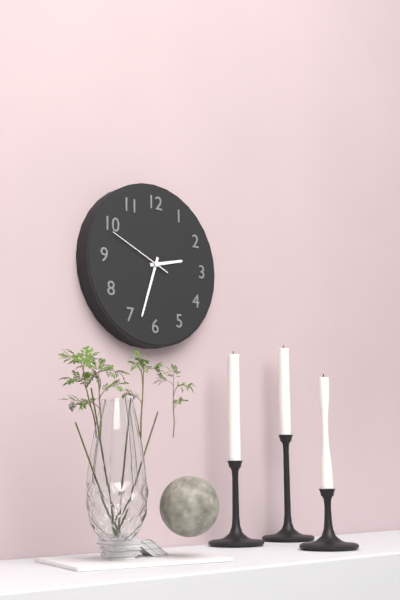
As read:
{"hour": 2, "minute": 33, "second": 49}
